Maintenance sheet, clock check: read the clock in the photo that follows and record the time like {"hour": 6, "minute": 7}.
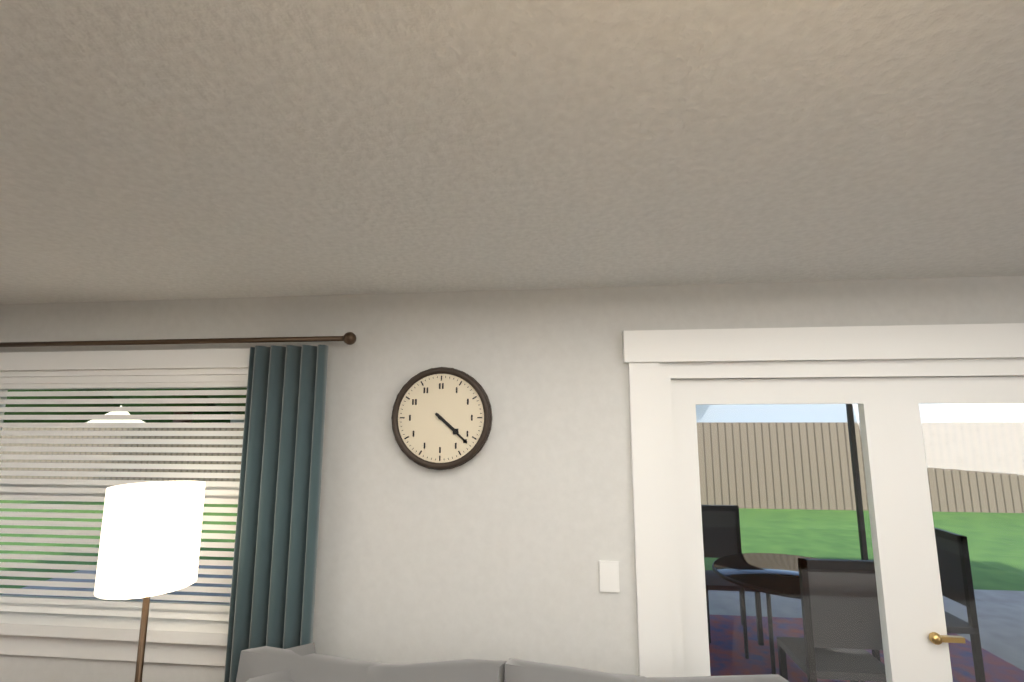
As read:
{"hour": 4, "minute": 22}
